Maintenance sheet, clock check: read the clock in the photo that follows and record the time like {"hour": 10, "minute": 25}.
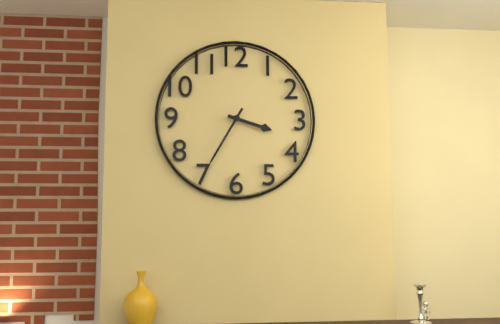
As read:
{"hour": 3, "minute": 35}
